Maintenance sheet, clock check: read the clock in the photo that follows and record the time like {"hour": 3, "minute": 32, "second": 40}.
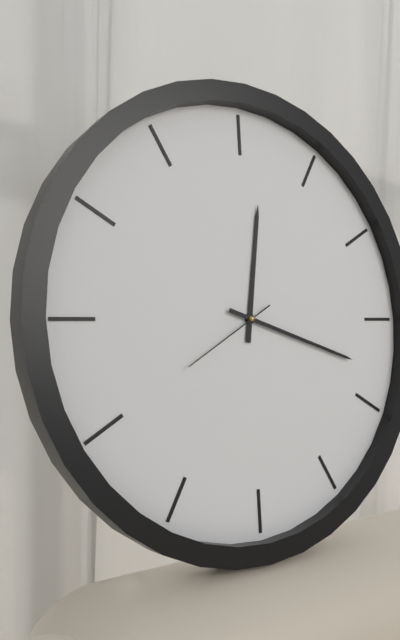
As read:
{"hour": 12, "minute": 18, "second": 40}
